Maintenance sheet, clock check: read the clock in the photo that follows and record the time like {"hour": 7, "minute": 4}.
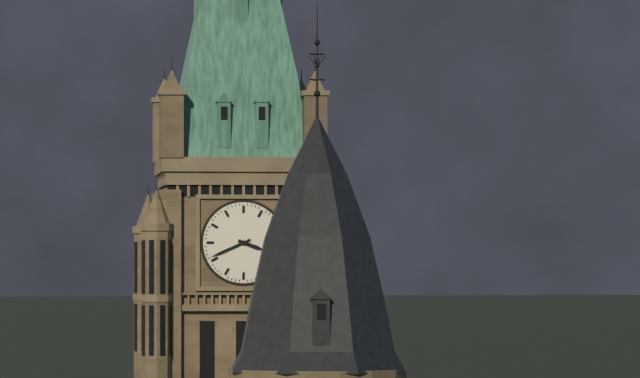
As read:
{"hour": 3, "minute": 41}
